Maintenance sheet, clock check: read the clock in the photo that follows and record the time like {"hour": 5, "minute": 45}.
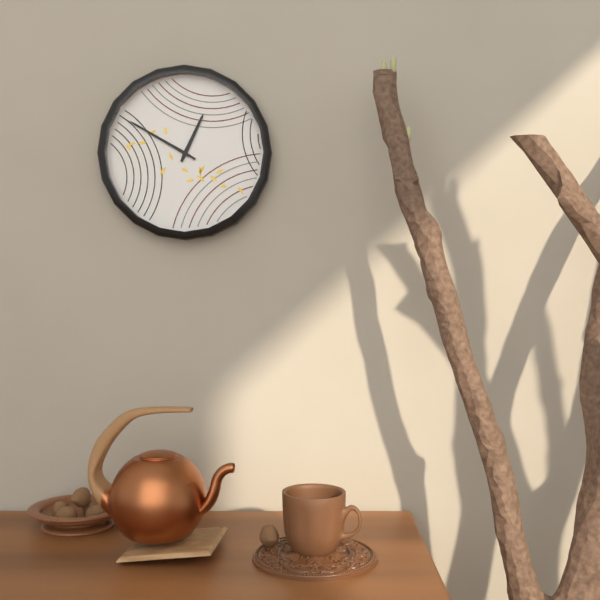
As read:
{"hour": 12, "minute": 50}
